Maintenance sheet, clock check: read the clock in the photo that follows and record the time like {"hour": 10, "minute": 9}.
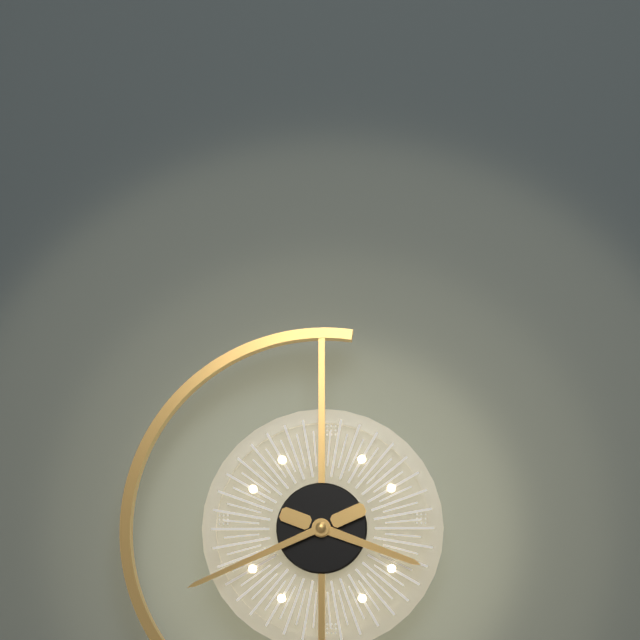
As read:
{"hour": 3, "minute": 41}
